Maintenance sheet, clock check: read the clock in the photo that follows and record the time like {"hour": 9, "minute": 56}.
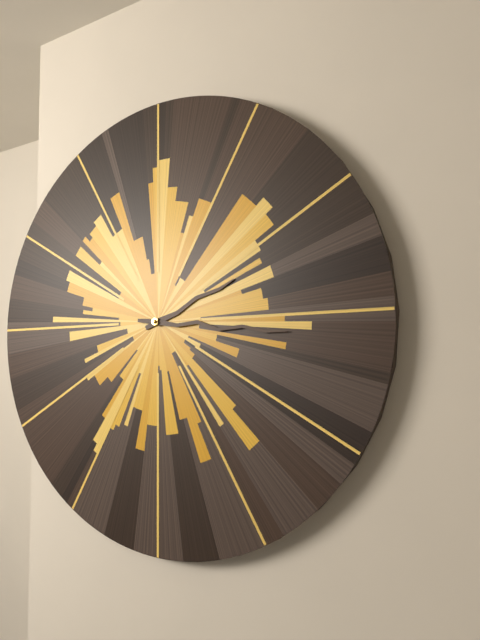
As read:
{"hour": 2, "minute": 16}
